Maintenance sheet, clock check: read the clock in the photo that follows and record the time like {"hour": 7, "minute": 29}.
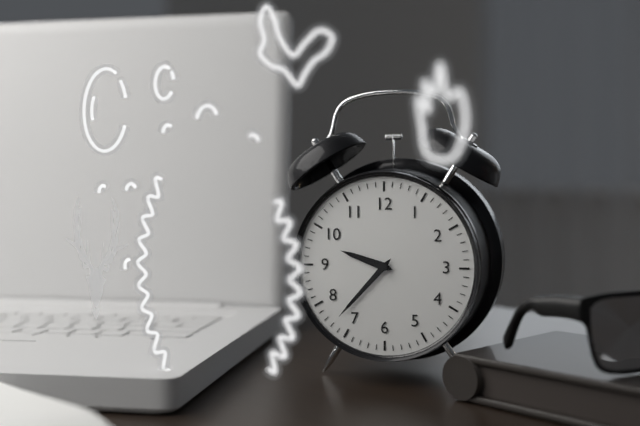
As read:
{"hour": 9, "minute": 37}
